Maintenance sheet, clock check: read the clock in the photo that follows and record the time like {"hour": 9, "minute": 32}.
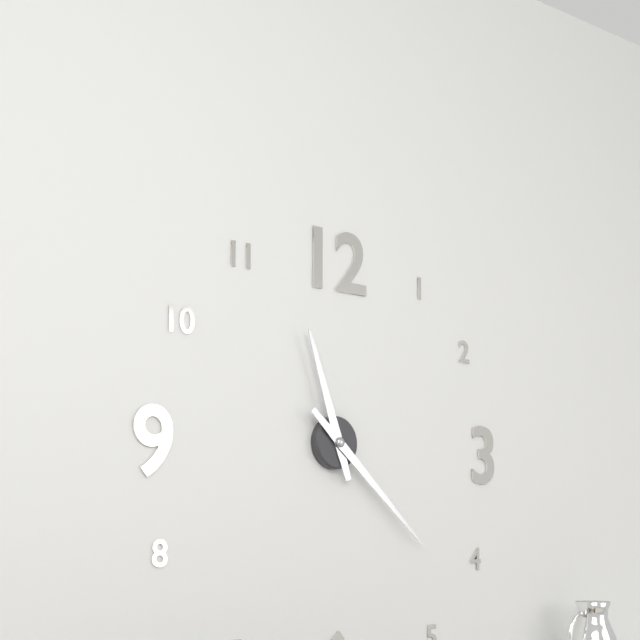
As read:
{"hour": 11, "minute": 22}
